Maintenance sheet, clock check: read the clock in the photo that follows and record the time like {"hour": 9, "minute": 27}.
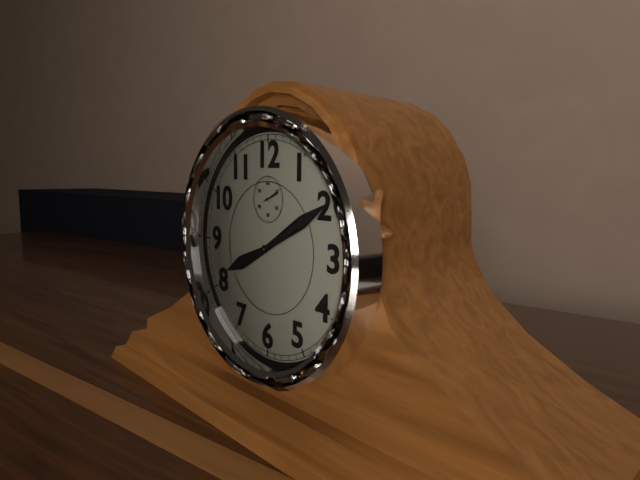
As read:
{"hour": 8, "minute": 10}
